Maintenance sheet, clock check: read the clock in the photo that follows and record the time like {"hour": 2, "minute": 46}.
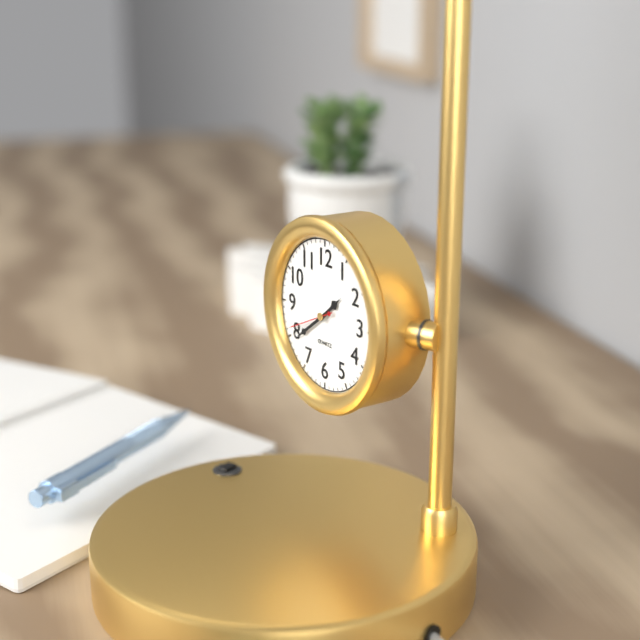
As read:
{"hour": 1, "minute": 39}
